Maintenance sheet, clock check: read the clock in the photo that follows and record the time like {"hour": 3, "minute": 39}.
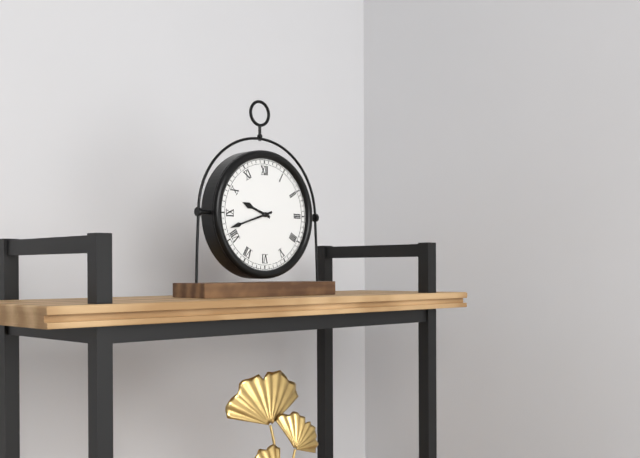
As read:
{"hour": 9, "minute": 42}
